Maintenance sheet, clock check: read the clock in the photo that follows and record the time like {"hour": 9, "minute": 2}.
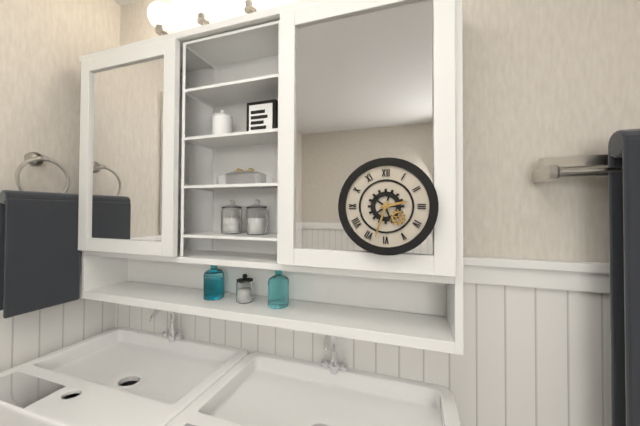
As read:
{"hour": 2, "minute": 33}
